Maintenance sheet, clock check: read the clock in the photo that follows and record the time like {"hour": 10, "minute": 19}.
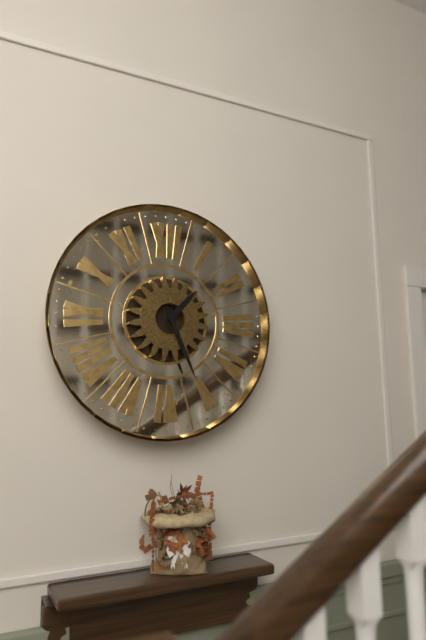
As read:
{"hour": 1, "minute": 26}
